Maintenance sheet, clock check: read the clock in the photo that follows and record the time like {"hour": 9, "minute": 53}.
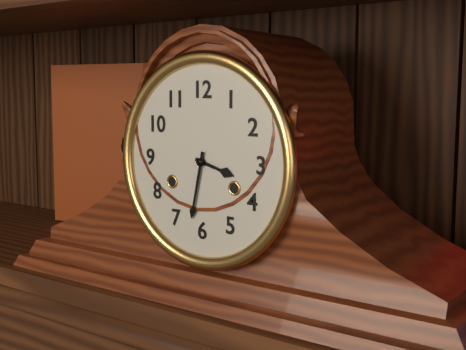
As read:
{"hour": 3, "minute": 32}
